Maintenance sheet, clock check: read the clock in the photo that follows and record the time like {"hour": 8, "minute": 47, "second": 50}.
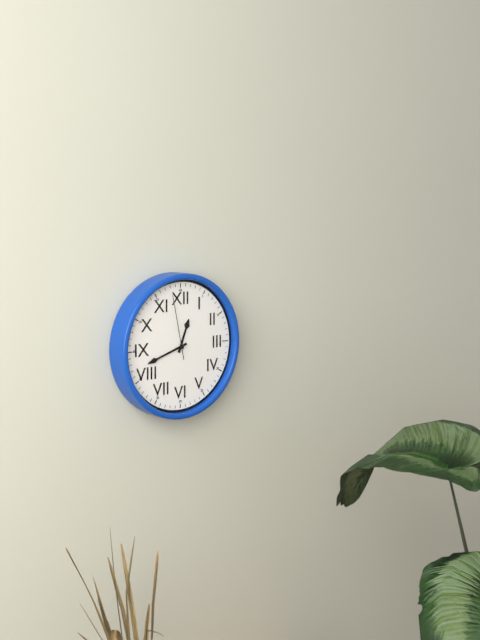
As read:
{"hour": 12, "minute": 42, "second": 58}
